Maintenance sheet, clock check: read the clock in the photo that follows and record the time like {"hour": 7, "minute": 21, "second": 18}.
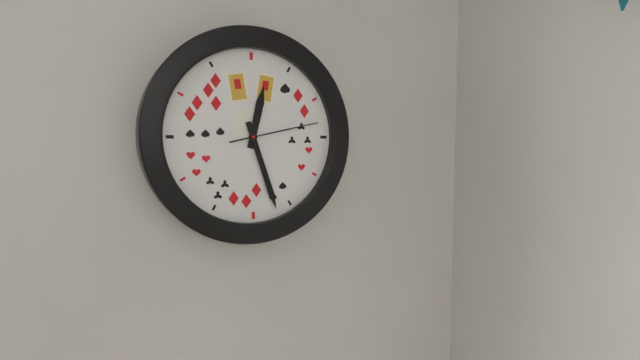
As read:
{"hour": 12, "minute": 27, "second": 13}
